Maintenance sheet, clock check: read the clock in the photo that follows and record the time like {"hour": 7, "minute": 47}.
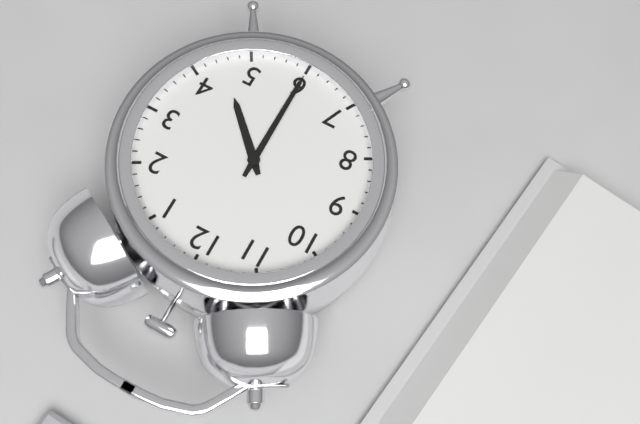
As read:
{"hour": 4, "minute": 30}
